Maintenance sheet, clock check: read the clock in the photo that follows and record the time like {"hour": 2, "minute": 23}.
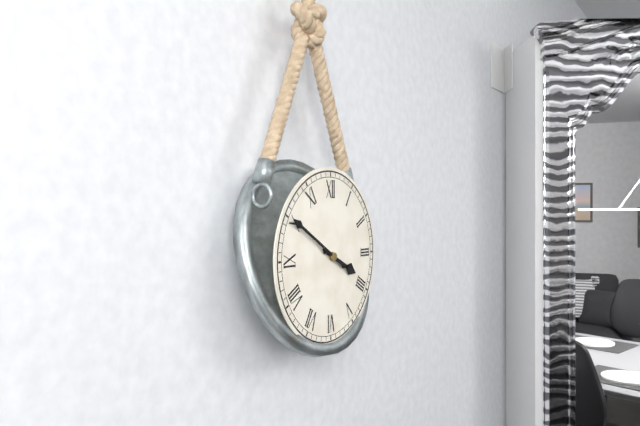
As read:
{"hour": 3, "minute": 50}
